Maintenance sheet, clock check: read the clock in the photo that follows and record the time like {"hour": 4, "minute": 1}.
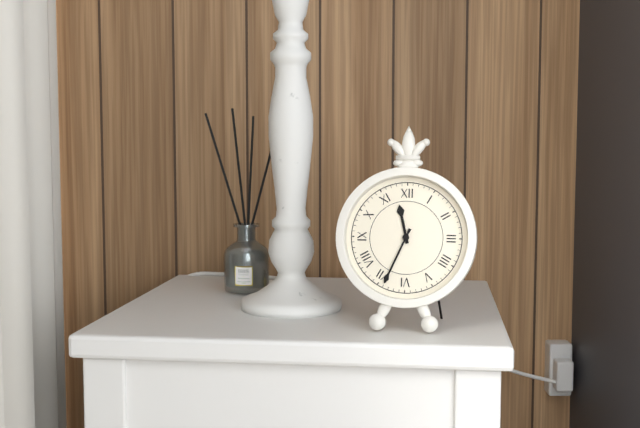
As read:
{"hour": 11, "minute": 34}
